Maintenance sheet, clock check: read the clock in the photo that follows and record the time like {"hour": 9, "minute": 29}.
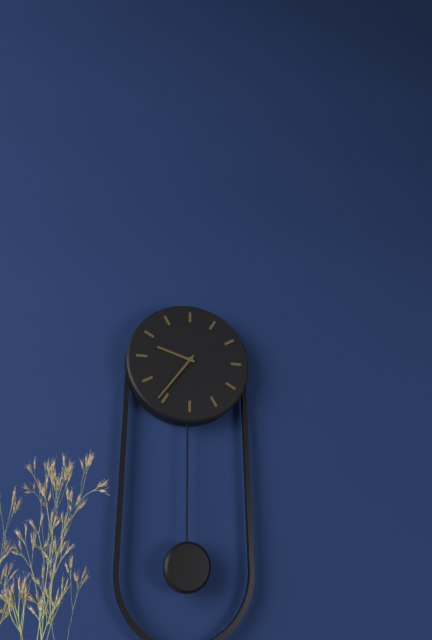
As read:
{"hour": 9, "minute": 36}
